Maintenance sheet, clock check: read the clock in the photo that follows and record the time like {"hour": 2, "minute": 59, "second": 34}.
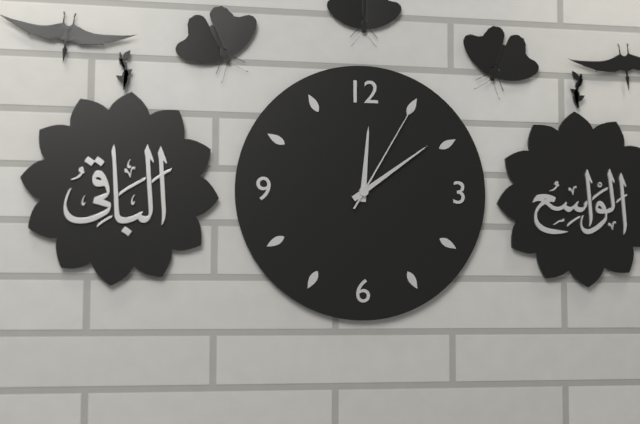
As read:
{"hour": 12, "minute": 9, "second": 5}
